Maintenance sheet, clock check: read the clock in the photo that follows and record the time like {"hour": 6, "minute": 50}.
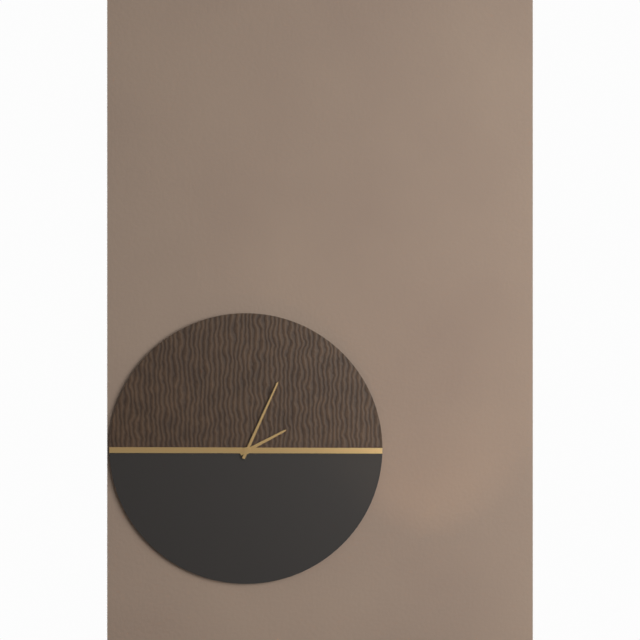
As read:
{"hour": 2, "minute": 4}
